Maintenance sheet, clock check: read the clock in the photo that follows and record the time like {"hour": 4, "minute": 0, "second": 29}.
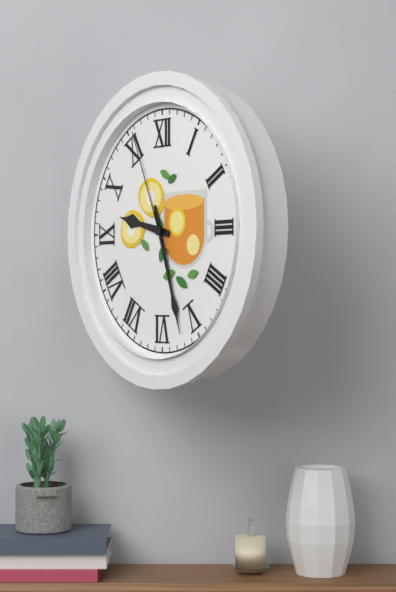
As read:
{"hour": 9, "minute": 27, "second": 56}
